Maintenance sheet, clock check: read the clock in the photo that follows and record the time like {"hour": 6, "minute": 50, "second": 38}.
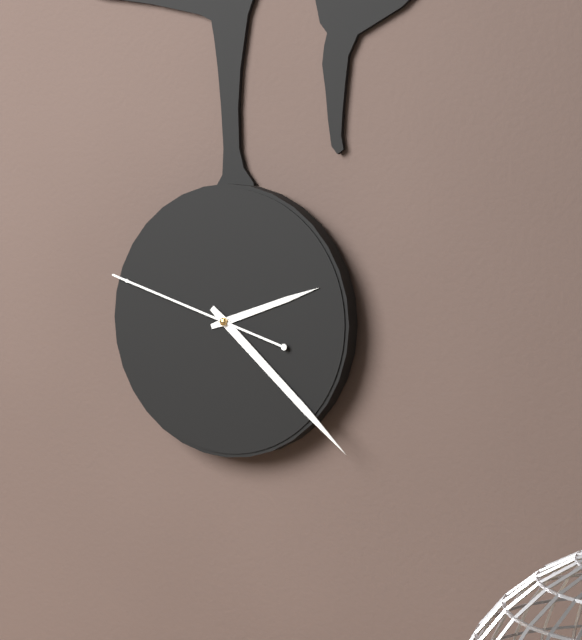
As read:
{"hour": 2, "minute": 22, "second": 48}
